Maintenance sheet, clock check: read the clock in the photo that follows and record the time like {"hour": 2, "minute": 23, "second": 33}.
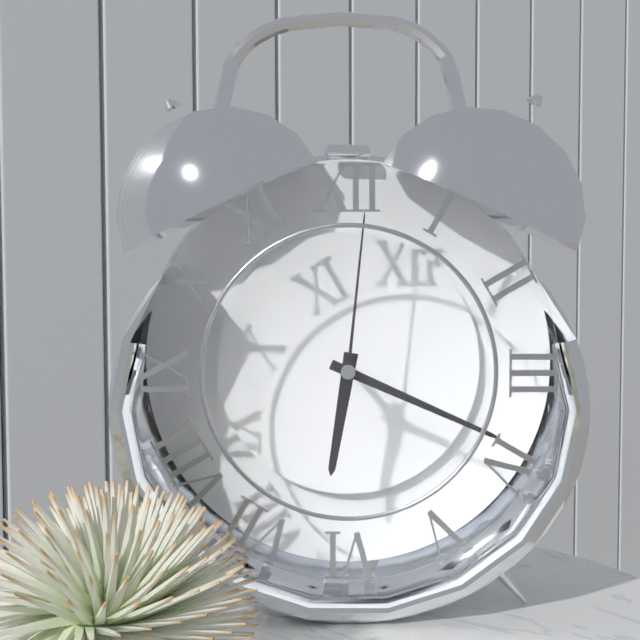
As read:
{"hour": 6, "minute": 19, "second": 1}
